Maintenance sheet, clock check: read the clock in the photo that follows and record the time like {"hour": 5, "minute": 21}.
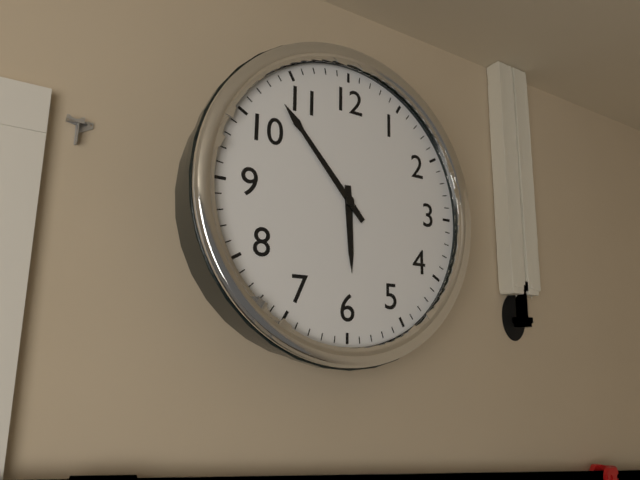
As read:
{"hour": 5, "minute": 53}
